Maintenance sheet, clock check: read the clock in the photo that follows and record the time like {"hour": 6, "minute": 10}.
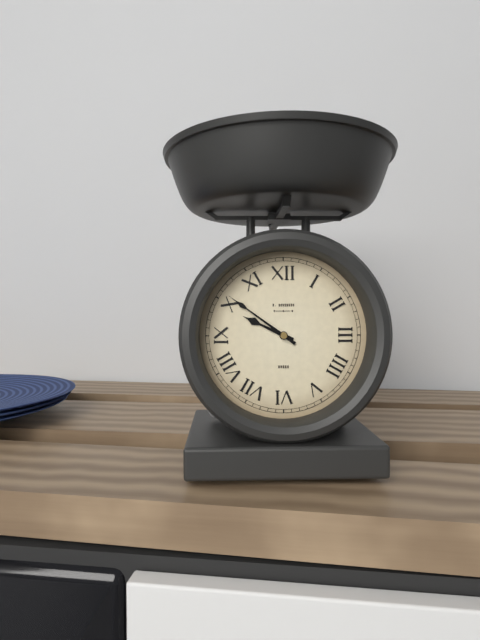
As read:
{"hour": 9, "minute": 51}
